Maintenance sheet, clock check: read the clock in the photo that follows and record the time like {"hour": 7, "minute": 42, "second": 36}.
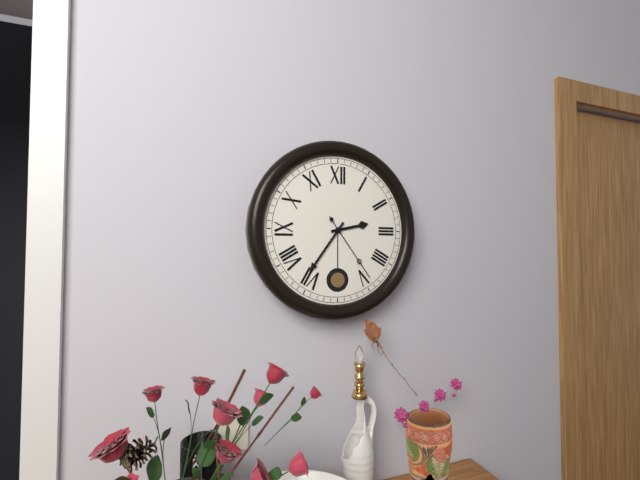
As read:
{"hour": 2, "minute": 36, "second": 24}
